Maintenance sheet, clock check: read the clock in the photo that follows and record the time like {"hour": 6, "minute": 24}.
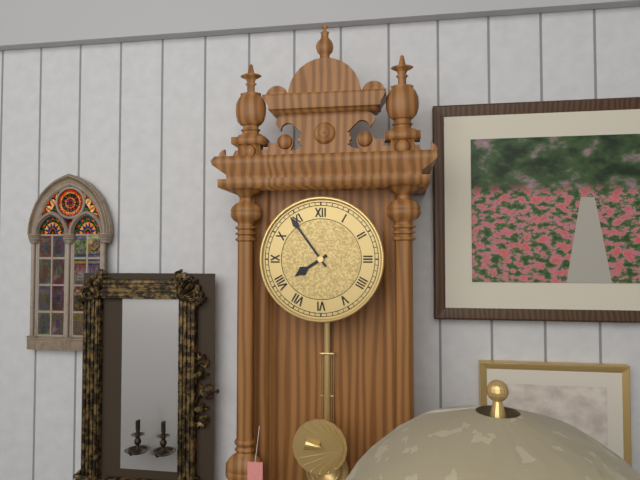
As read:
{"hour": 7, "minute": 54}
